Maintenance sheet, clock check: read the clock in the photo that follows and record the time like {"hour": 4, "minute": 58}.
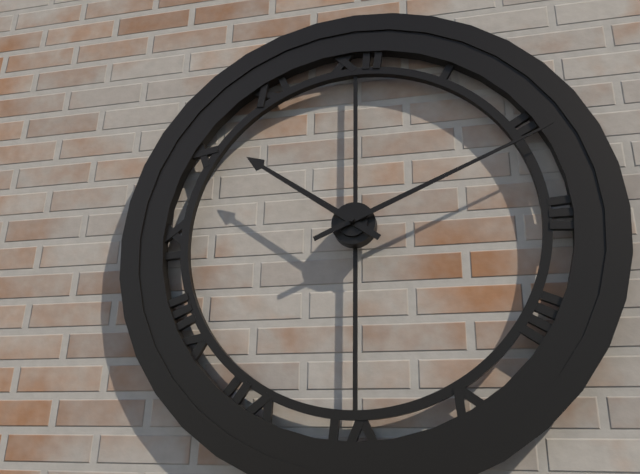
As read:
{"hour": 10, "minute": 11}
